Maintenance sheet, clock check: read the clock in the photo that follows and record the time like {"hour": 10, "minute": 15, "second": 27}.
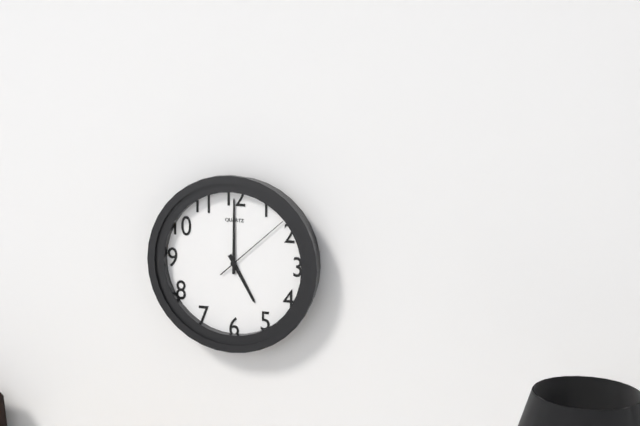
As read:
{"hour": 5, "minute": 0, "second": 8}
